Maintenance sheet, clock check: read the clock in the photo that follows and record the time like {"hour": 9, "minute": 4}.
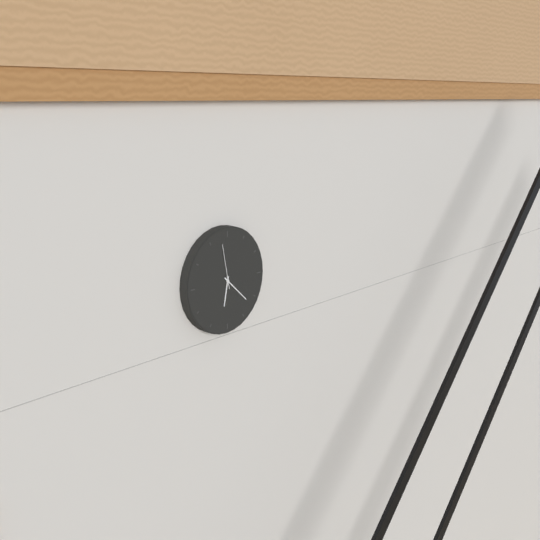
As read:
{"hour": 6, "minute": 22}
